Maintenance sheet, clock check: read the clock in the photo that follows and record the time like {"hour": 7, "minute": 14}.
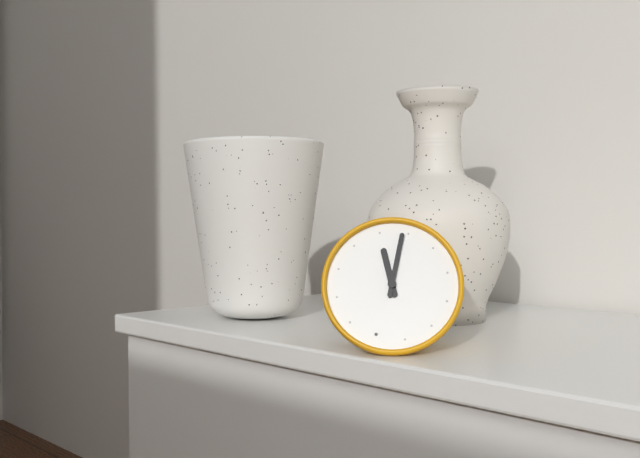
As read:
{"hour": 10, "minute": 59}
